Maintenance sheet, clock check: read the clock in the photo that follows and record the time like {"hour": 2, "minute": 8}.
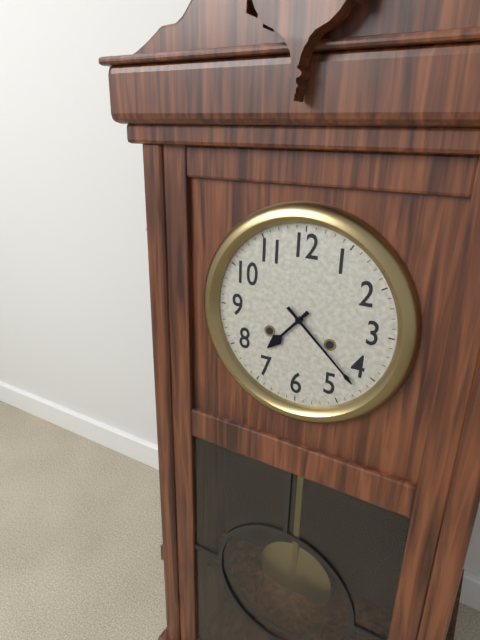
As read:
{"hour": 7, "minute": 22}
